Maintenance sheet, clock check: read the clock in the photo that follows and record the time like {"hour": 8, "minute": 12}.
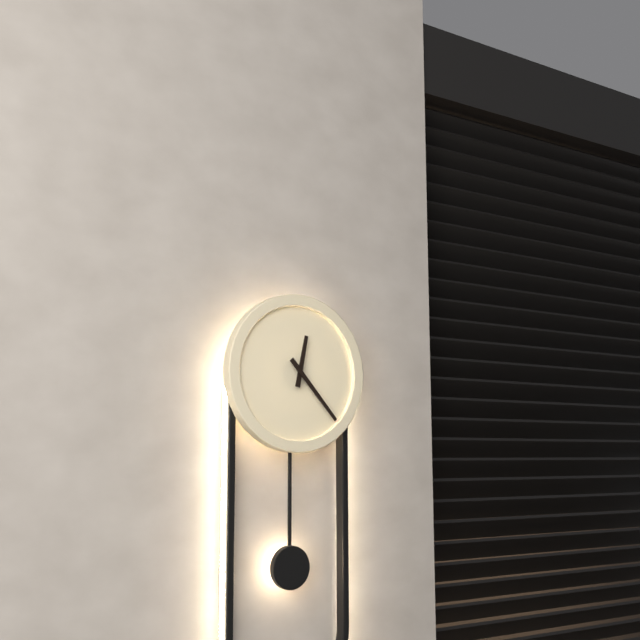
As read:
{"hour": 12, "minute": 23}
